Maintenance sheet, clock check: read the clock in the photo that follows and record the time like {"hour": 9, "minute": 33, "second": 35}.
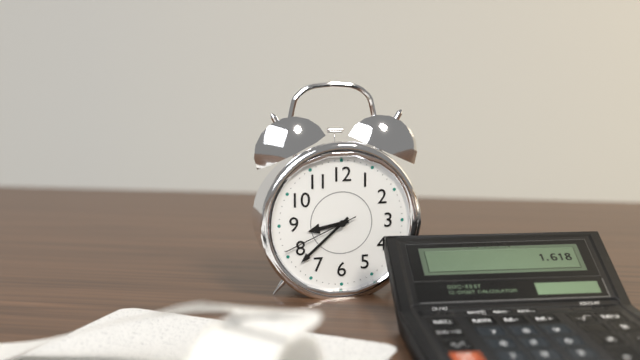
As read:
{"hour": 8, "minute": 38, "second": 41}
